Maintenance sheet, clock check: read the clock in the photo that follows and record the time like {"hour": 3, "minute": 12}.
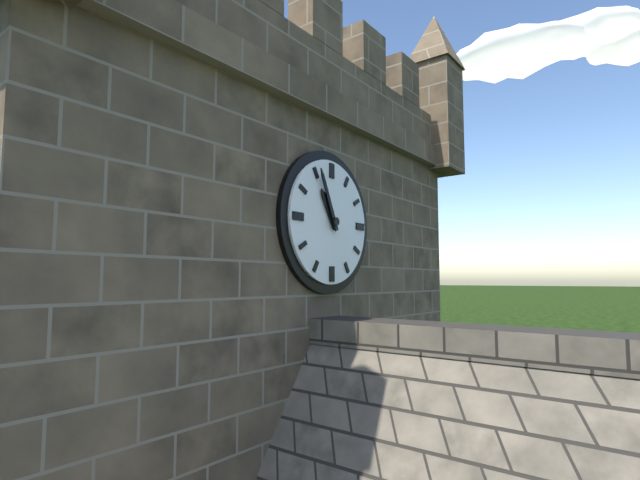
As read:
{"hour": 10, "minute": 56}
